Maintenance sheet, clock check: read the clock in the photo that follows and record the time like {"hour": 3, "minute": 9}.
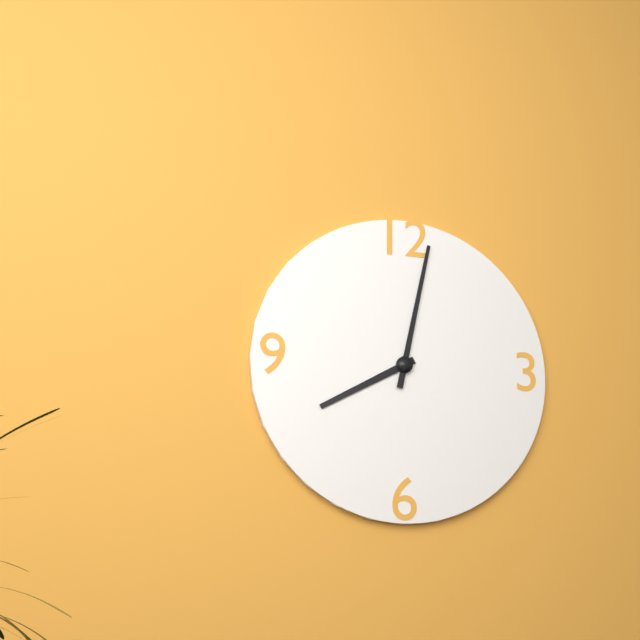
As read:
{"hour": 8, "minute": 2}
